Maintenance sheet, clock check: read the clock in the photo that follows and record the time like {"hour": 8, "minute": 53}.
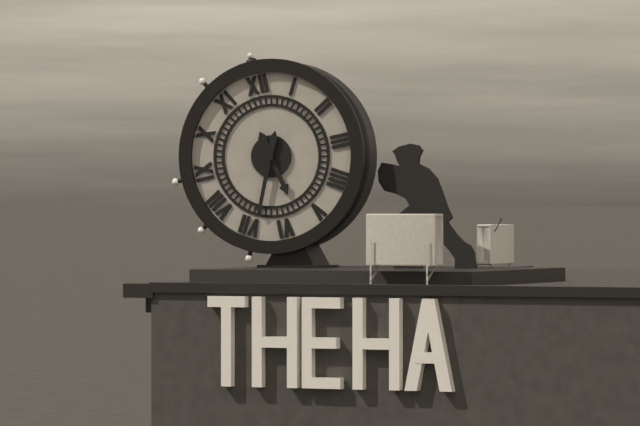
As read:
{"hour": 5, "minute": 34}
